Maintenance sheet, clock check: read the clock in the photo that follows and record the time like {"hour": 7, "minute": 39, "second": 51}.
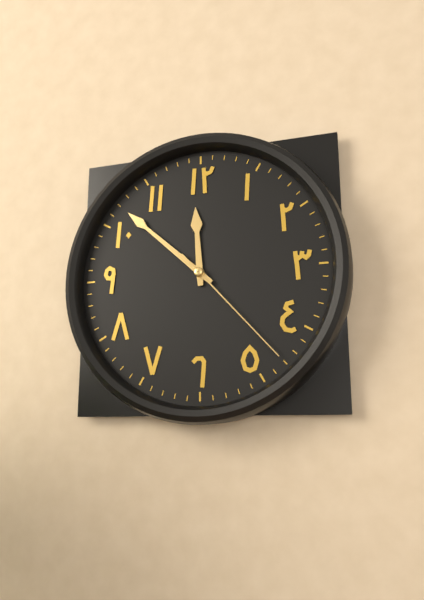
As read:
{"hour": 11, "minute": 52, "second": 23}
